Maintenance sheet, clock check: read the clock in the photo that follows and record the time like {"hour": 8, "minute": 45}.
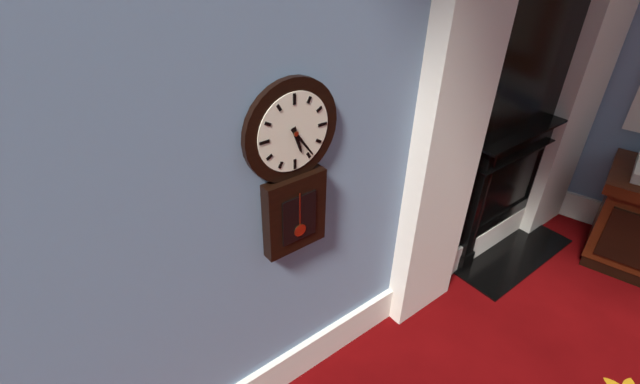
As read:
{"hour": 5, "minute": 24}
